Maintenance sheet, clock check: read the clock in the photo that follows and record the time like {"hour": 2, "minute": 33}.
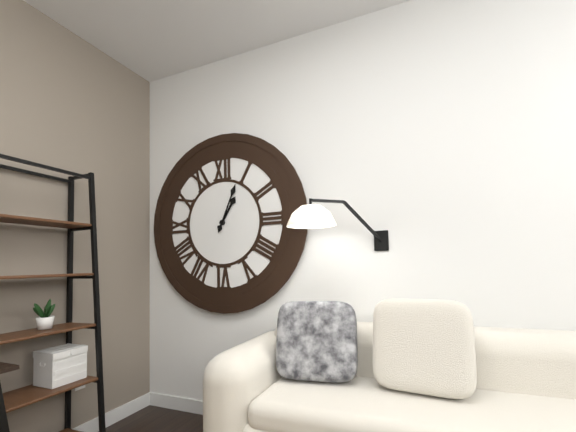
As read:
{"hour": 1, "minute": 4}
